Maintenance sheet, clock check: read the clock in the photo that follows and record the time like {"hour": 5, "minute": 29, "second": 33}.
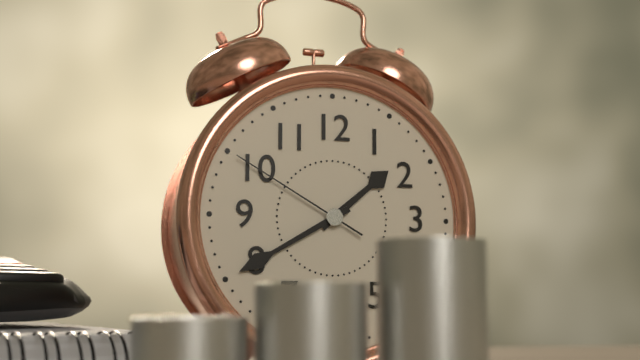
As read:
{"hour": 1, "minute": 40, "second": 50}
